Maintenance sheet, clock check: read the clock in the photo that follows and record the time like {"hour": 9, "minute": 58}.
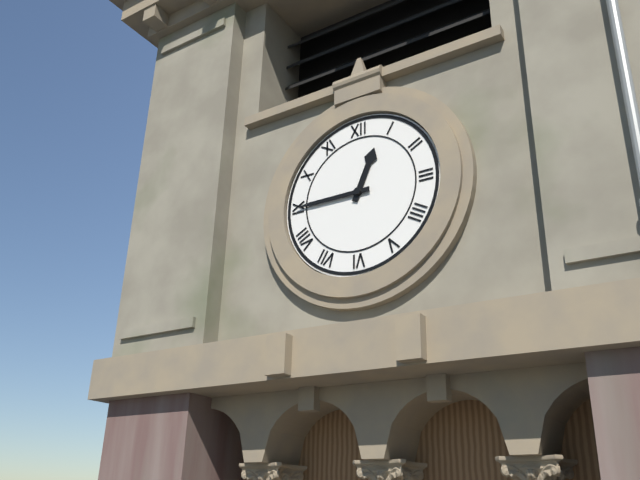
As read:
{"hour": 12, "minute": 45}
